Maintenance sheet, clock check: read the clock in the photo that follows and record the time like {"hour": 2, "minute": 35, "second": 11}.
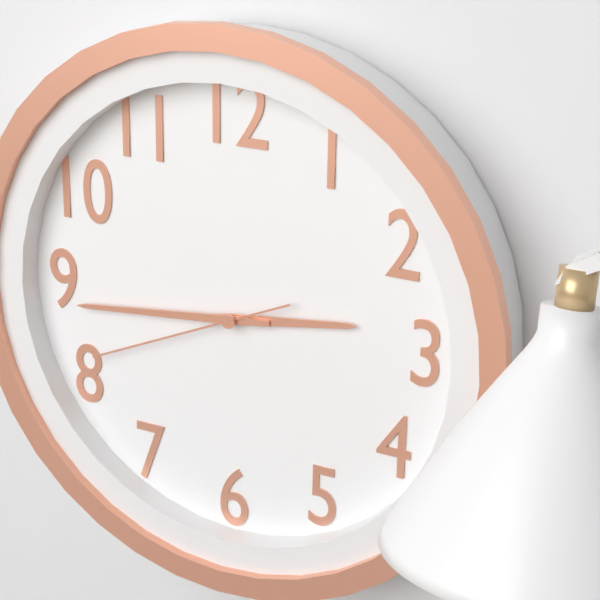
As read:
{"hour": 2, "minute": 44, "second": 41}
